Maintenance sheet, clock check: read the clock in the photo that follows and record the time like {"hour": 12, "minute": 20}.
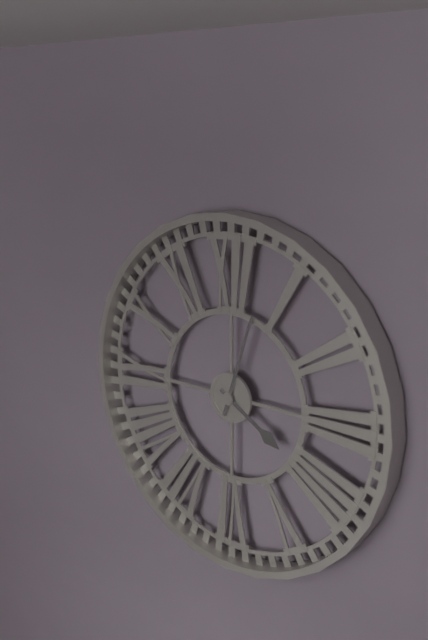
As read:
{"hour": 4, "minute": 3}
